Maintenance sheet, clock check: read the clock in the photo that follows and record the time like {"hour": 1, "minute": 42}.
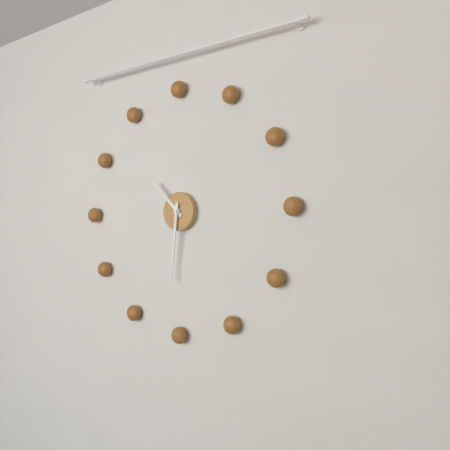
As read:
{"hour": 10, "minute": 31}
